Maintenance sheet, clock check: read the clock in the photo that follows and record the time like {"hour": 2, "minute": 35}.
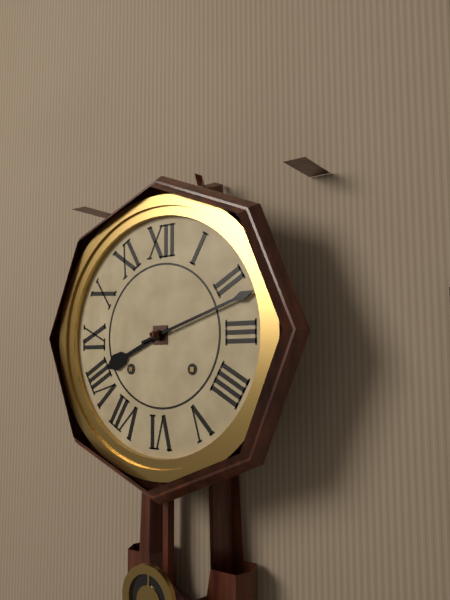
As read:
{"hour": 8, "minute": 12}
